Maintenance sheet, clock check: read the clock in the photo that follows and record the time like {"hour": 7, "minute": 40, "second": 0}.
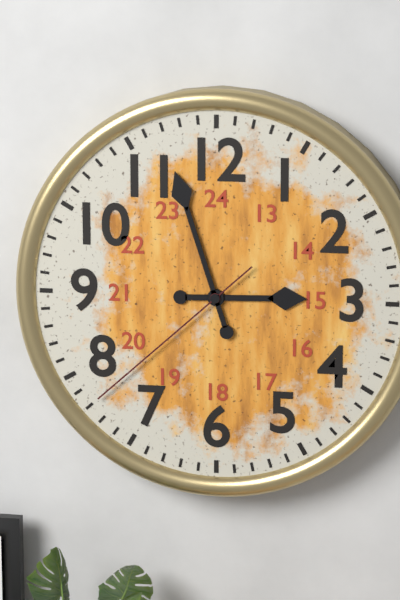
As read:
{"hour": 2, "minute": 57, "second": 38}
